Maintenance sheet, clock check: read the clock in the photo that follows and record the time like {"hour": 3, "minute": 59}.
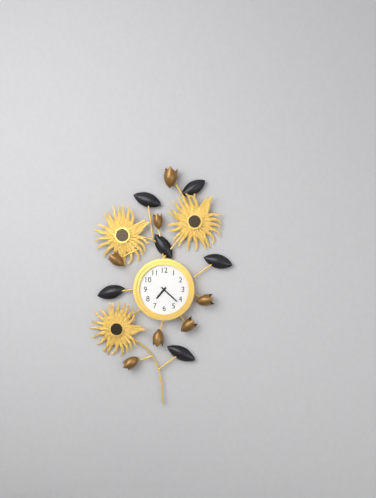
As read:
{"hour": 7, "minute": 22}
